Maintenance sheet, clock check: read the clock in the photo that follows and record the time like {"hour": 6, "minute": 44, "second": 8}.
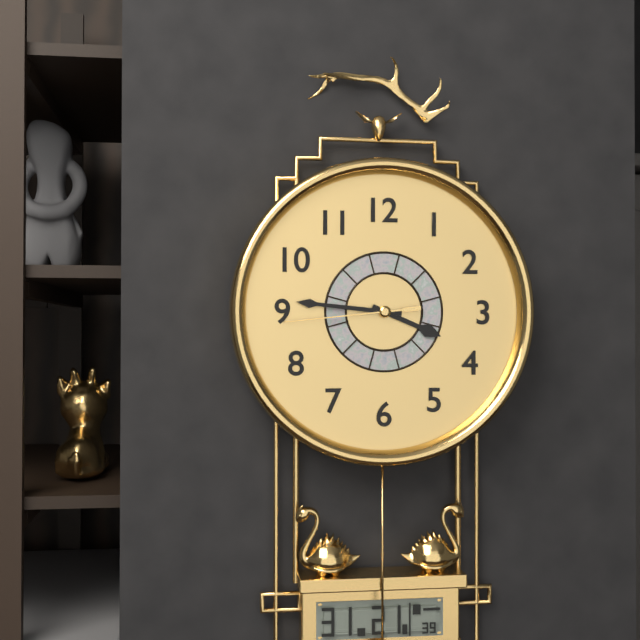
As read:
{"hour": 3, "minute": 46, "second": 44}
